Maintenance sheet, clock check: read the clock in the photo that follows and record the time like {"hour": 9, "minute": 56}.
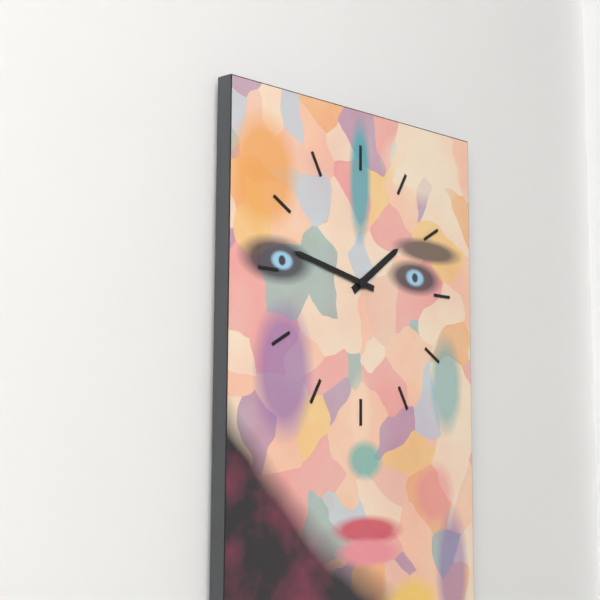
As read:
{"hour": 1, "minute": 47}
